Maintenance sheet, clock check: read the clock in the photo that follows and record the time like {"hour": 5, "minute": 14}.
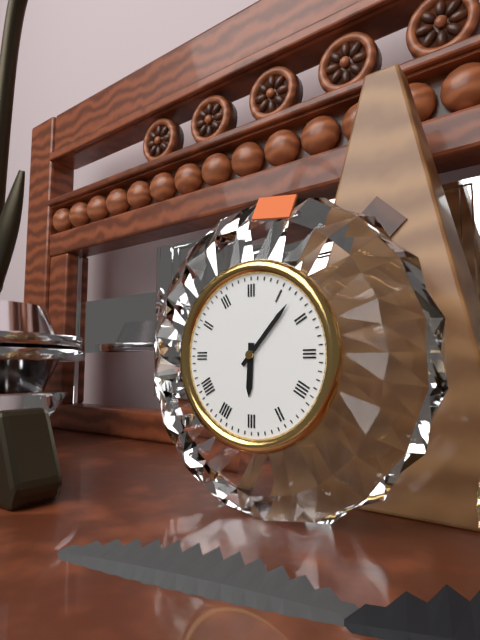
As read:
{"hour": 6, "minute": 7}
